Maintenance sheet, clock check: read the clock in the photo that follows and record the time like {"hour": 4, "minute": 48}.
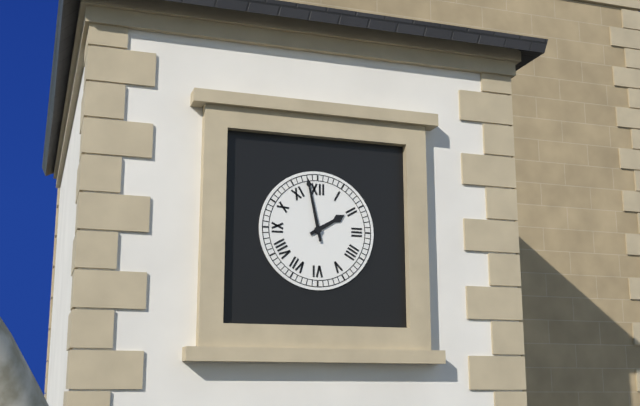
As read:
{"hour": 1, "minute": 58}
